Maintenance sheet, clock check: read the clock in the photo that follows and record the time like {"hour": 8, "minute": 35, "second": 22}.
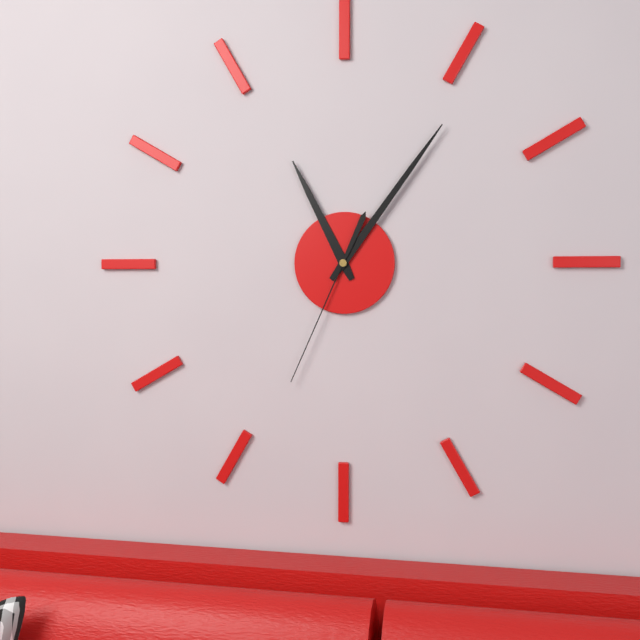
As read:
{"hour": 11, "minute": 6, "second": 34}
